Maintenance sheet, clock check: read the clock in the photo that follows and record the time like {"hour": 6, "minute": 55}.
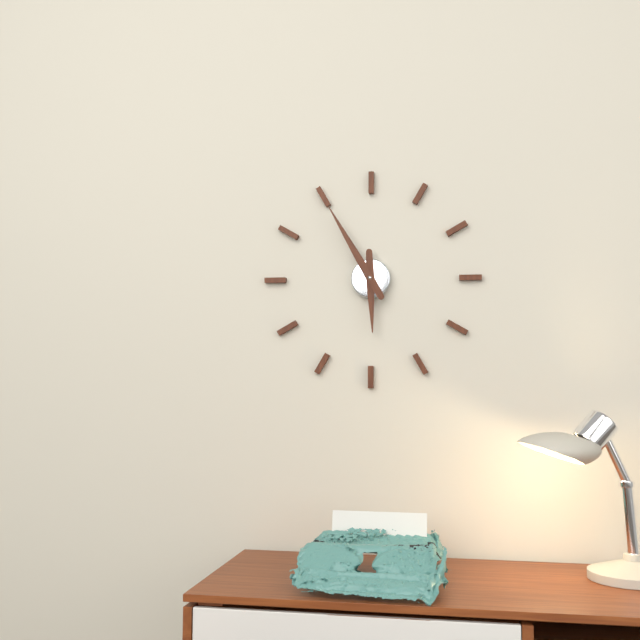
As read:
{"hour": 5, "minute": 55}
